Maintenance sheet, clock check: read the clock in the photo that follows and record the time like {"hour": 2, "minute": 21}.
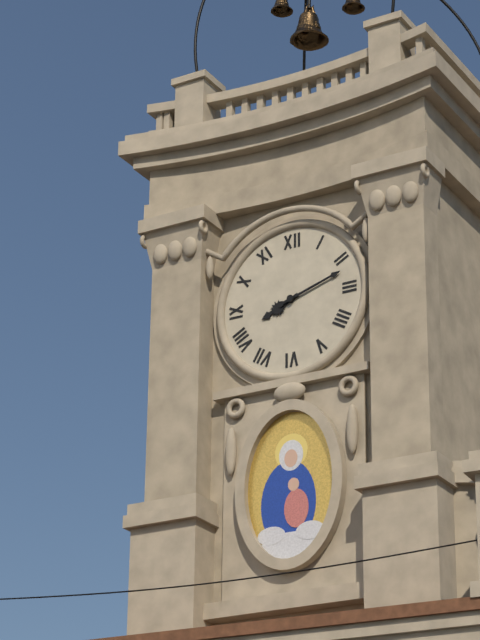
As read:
{"hour": 8, "minute": 12}
